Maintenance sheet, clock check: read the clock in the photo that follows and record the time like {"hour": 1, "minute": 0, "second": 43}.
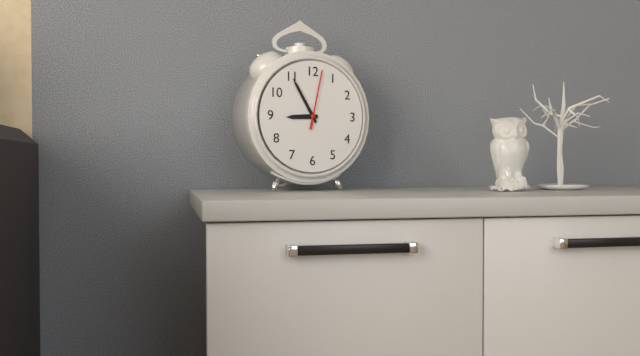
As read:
{"hour": 8, "minute": 55, "second": 2}
